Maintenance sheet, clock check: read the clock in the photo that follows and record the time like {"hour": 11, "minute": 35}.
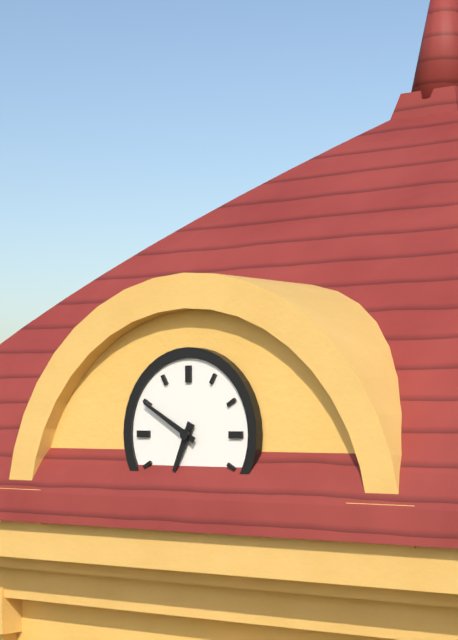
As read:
{"hour": 6, "minute": 50}
